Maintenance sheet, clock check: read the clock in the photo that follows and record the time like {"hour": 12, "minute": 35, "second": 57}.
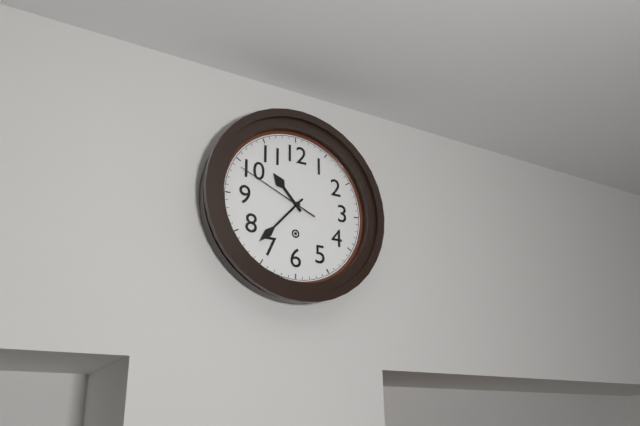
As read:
{"hour": 10, "minute": 37, "second": 49}
